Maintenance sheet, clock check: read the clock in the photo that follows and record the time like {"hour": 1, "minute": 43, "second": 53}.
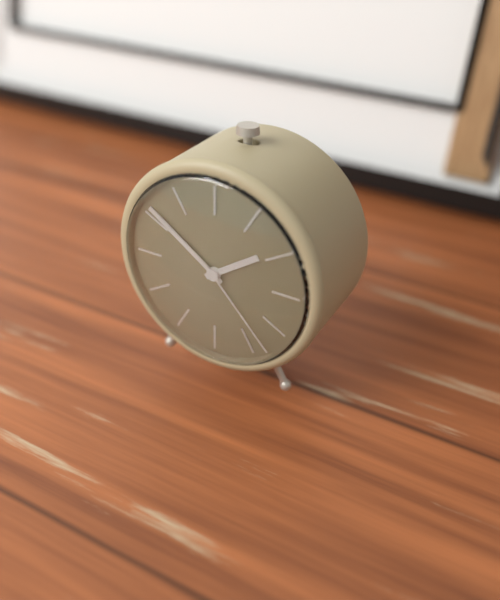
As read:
{"hour": 1, "minute": 51, "second": 23}
